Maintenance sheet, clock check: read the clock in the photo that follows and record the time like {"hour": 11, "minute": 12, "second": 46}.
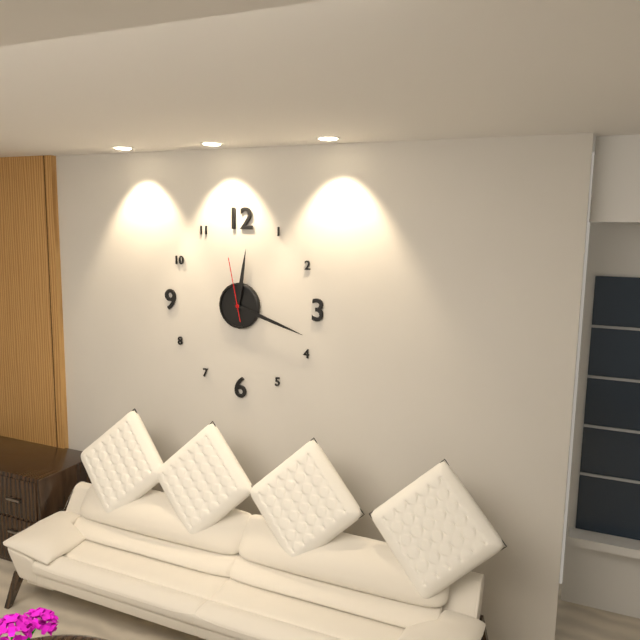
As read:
{"hour": 12, "minute": 18, "second": 58}
